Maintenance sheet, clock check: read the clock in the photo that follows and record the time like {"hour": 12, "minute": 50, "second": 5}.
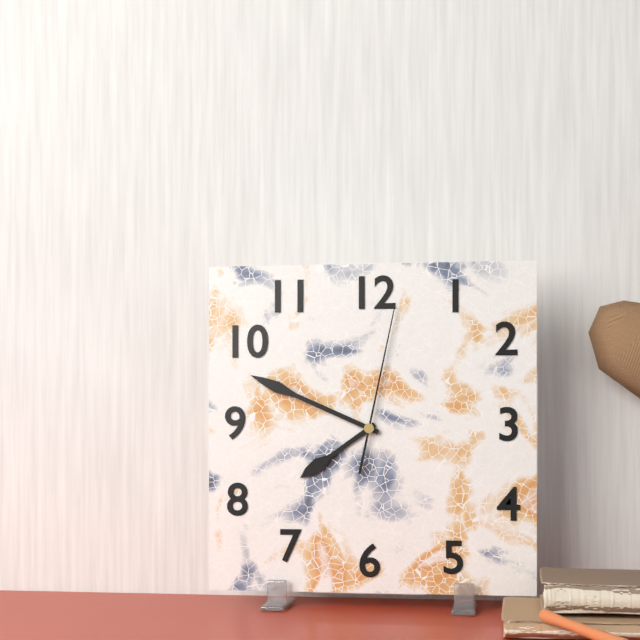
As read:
{"hour": 7, "minute": 49, "second": 2}
